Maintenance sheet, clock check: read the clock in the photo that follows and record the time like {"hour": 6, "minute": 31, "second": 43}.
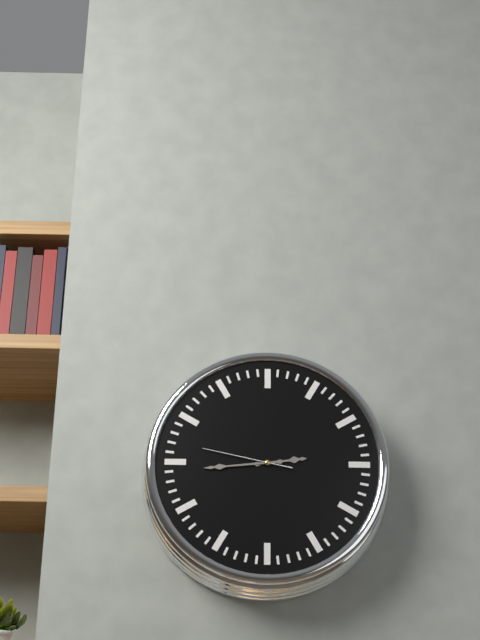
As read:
{"hour": 2, "minute": 44, "second": 47}
